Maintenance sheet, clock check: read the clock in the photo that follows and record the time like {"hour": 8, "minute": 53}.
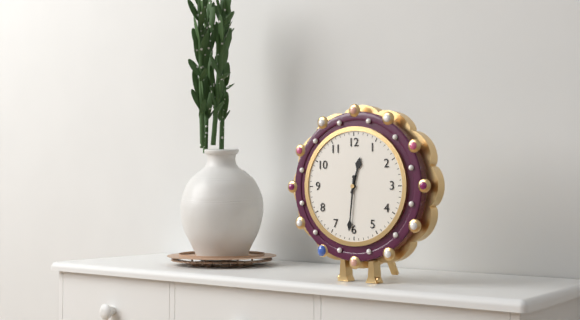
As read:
{"hour": 12, "minute": 31}
